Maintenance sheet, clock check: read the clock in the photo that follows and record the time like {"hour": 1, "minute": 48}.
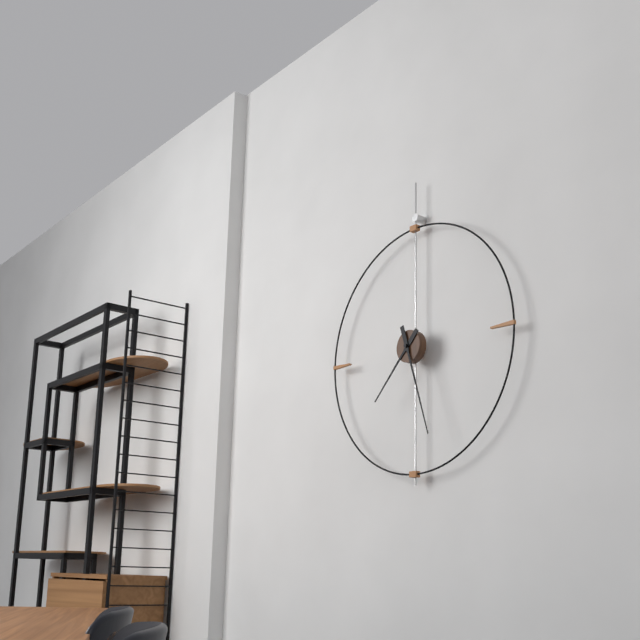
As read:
{"hour": 7, "minute": 27}
